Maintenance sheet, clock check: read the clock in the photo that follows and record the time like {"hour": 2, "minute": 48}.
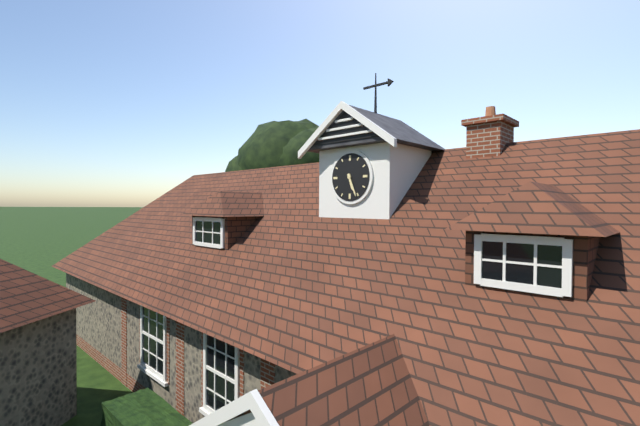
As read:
{"hour": 5, "minute": 26}
